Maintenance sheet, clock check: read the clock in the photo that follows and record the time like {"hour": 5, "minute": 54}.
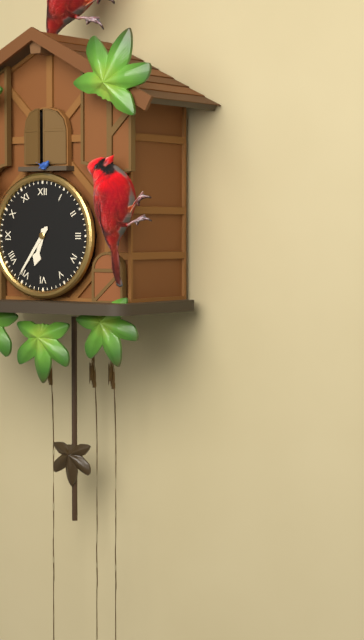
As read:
{"hour": 6, "minute": 36}
